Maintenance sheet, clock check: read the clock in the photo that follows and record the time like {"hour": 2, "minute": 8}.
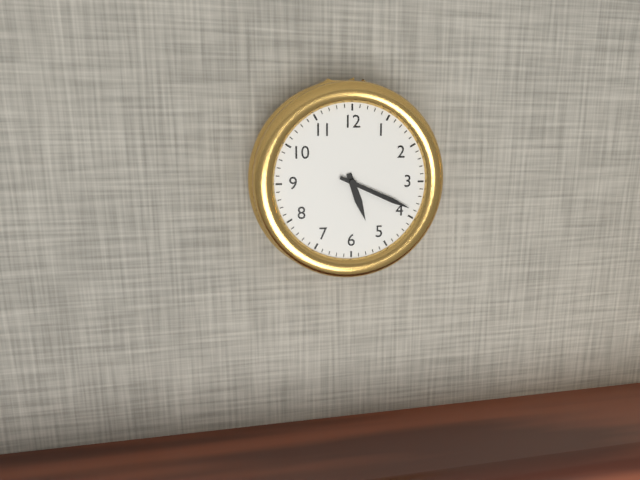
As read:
{"hour": 5, "minute": 19}
